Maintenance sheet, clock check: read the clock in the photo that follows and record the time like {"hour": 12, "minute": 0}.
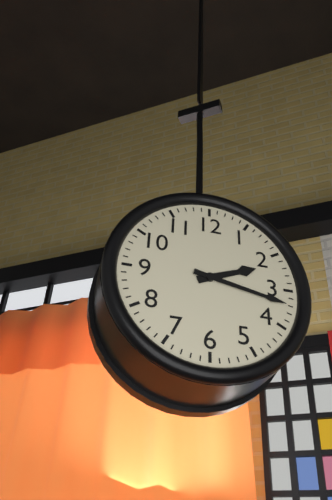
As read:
{"hour": 2, "minute": 17}
